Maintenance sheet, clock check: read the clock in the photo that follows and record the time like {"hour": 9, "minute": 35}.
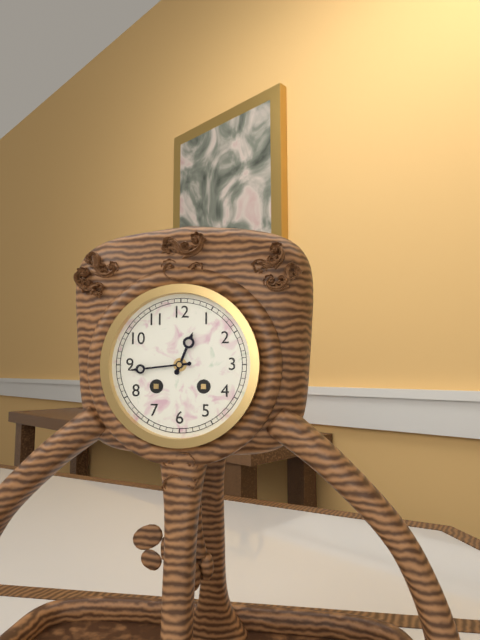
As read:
{"hour": 12, "minute": 44}
